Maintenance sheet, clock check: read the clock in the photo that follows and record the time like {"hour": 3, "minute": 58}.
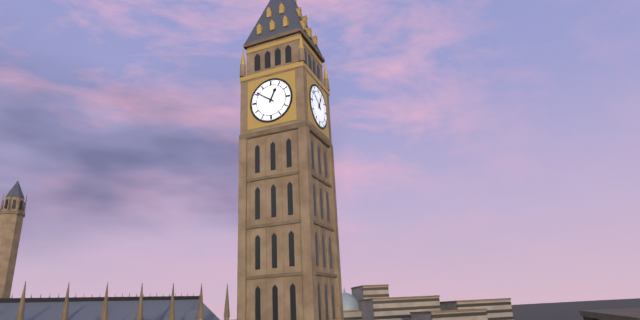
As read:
{"hour": 12, "minute": 51}
